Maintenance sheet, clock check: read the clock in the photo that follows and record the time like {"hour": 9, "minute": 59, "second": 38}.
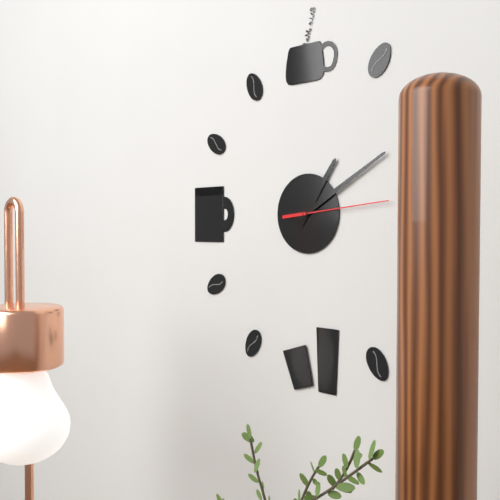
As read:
{"hour": 1, "minute": 10, "second": 14}
